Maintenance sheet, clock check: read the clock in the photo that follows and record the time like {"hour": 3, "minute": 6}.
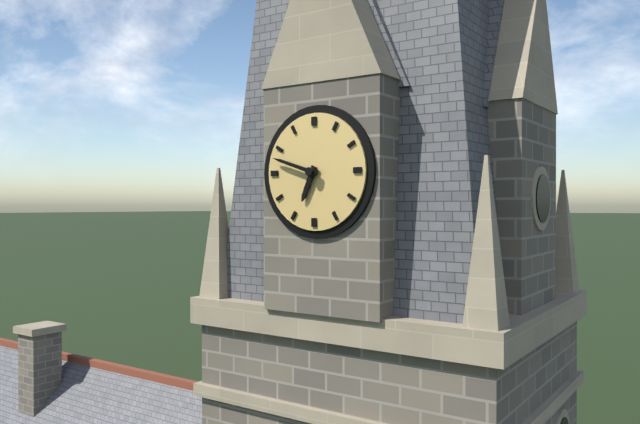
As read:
{"hour": 6, "minute": 48}
